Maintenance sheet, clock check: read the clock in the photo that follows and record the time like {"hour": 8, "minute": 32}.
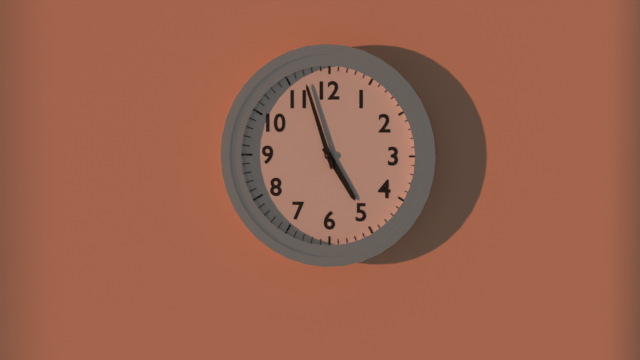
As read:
{"hour": 4, "minute": 57}
